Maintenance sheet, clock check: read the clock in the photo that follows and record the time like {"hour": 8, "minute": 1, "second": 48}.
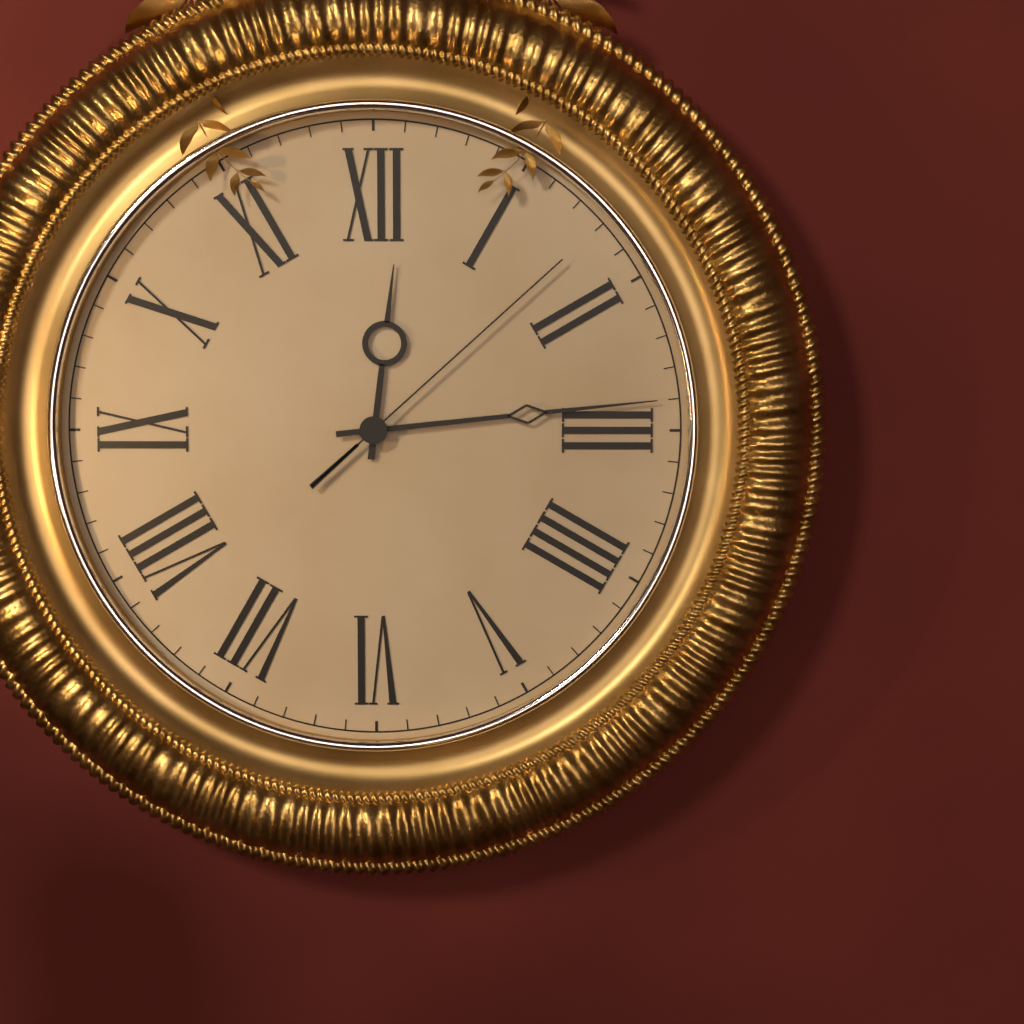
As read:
{"hour": 12, "minute": 14, "second": 8}
